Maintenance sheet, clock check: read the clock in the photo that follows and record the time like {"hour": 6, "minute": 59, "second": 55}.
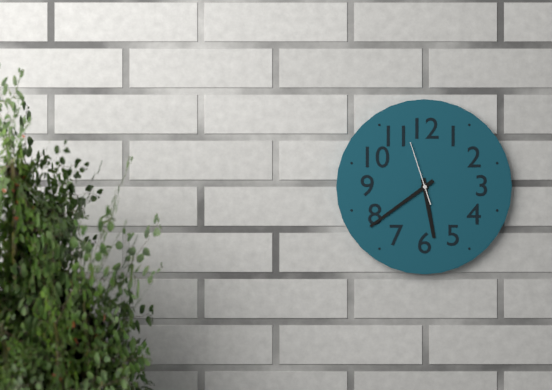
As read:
{"hour": 5, "minute": 39, "second": 57}
